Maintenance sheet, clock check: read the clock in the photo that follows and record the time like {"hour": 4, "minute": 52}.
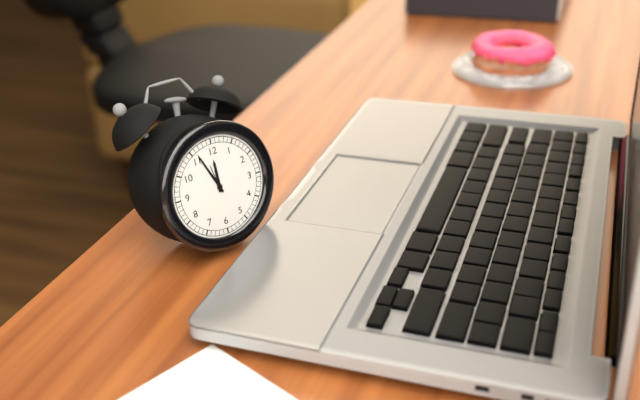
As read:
{"hour": 11, "minute": 56}
